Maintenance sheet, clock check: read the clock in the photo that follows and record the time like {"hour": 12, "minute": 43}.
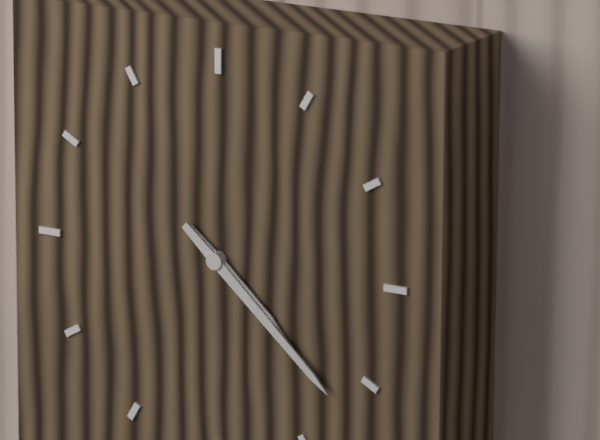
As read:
{"hour": 4, "minute": 22}
